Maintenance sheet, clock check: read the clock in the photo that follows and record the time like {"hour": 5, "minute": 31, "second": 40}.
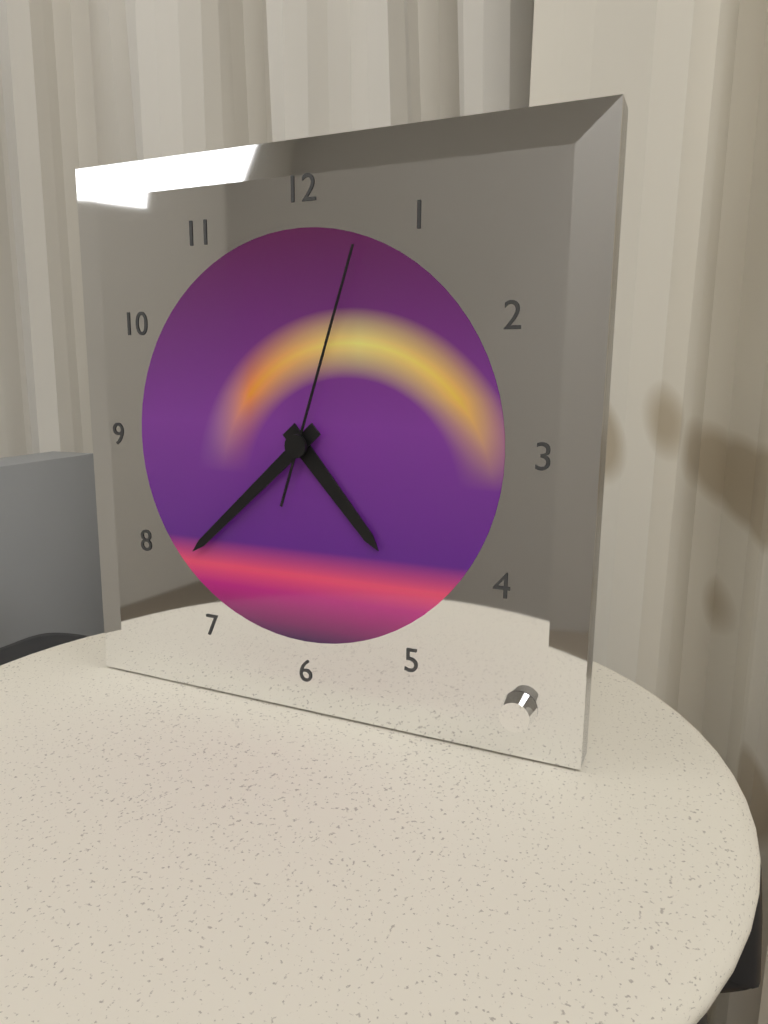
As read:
{"hour": 4, "minute": 38, "second": 3}
